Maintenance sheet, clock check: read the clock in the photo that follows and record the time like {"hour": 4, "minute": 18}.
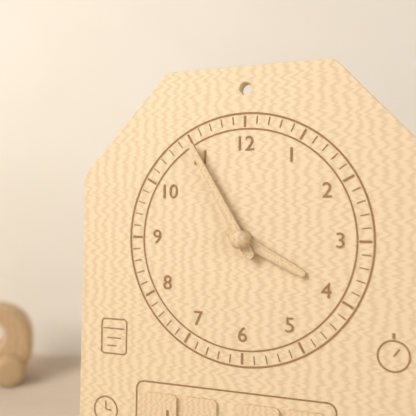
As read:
{"hour": 3, "minute": 55}
